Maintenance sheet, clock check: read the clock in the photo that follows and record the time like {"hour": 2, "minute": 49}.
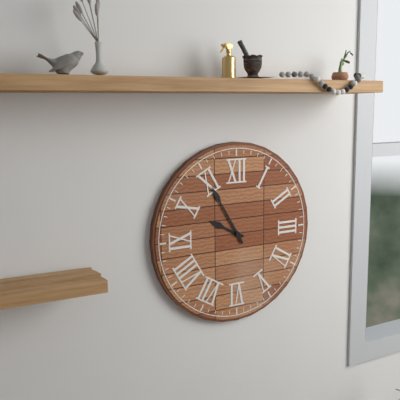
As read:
{"hour": 9, "minute": 55}
